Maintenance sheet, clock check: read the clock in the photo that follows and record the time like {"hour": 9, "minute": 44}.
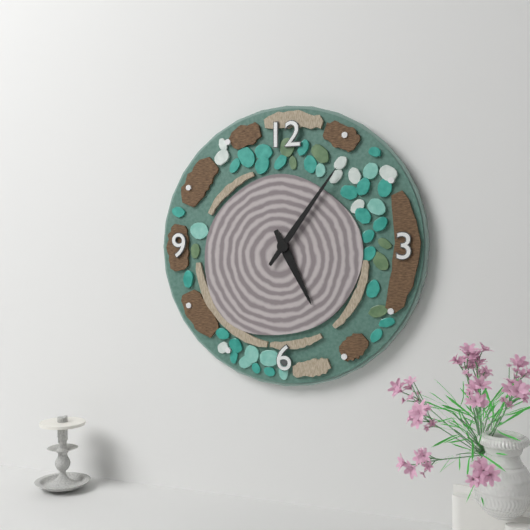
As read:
{"hour": 5, "minute": 6}
